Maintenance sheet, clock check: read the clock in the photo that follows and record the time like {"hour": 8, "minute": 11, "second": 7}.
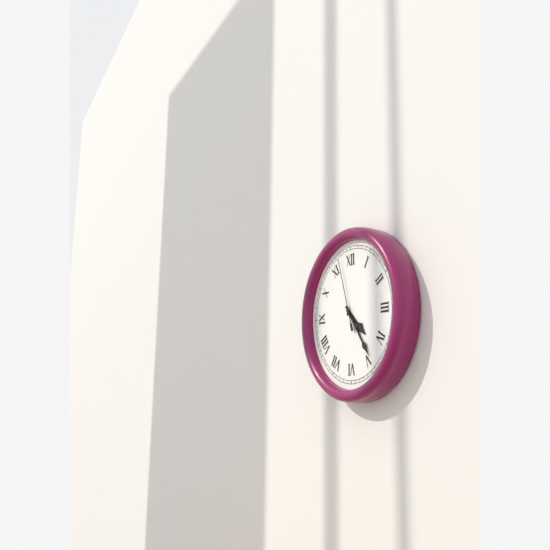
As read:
{"hour": 4, "minute": 24, "second": 57}
